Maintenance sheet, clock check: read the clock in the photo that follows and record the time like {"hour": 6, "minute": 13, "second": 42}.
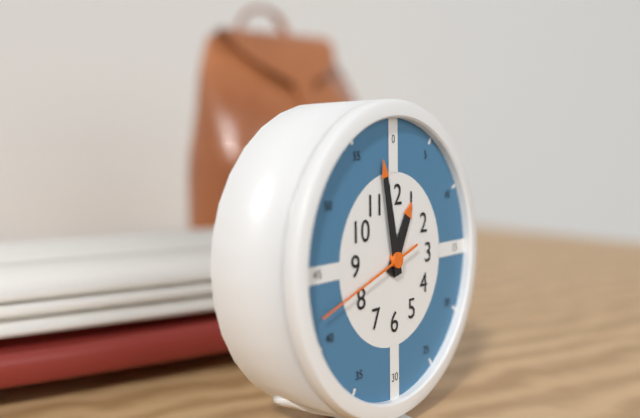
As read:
{"hour": 12, "minute": 58, "second": 42}
